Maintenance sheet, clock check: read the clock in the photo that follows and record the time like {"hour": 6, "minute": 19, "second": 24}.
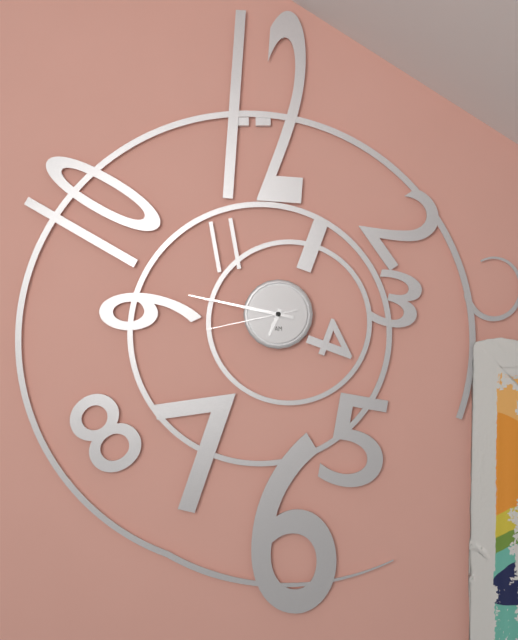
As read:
{"hour": 6, "minute": 47, "second": 43}
